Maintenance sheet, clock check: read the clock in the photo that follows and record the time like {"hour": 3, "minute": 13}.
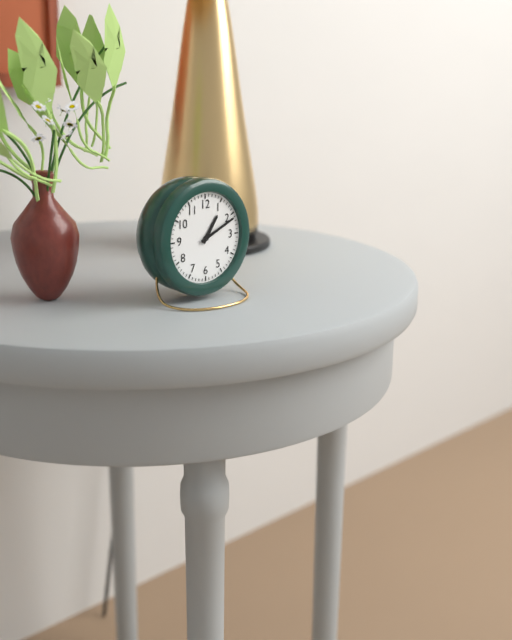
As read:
{"hour": 1, "minute": 11}
